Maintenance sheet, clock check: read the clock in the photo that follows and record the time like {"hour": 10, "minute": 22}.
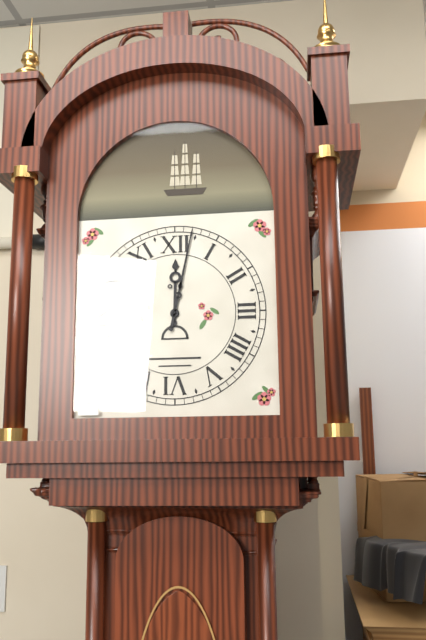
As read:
{"hour": 12, "minute": 2}
